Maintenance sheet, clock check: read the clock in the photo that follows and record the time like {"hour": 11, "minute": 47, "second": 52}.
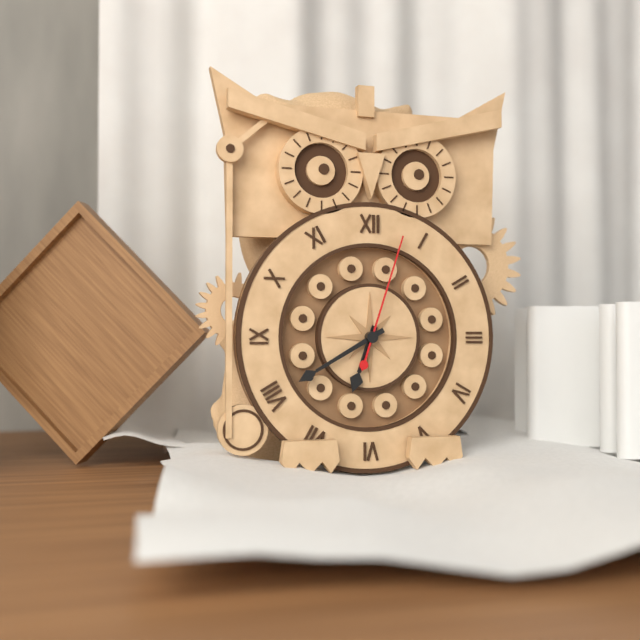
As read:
{"hour": 6, "minute": 40, "second": 3}
